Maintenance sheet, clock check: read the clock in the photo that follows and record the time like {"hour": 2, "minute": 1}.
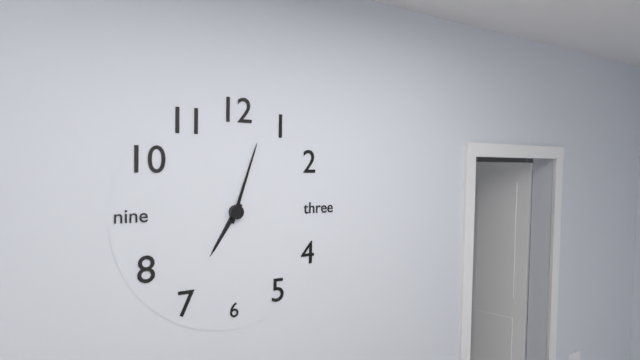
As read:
{"hour": 7, "minute": 3}
